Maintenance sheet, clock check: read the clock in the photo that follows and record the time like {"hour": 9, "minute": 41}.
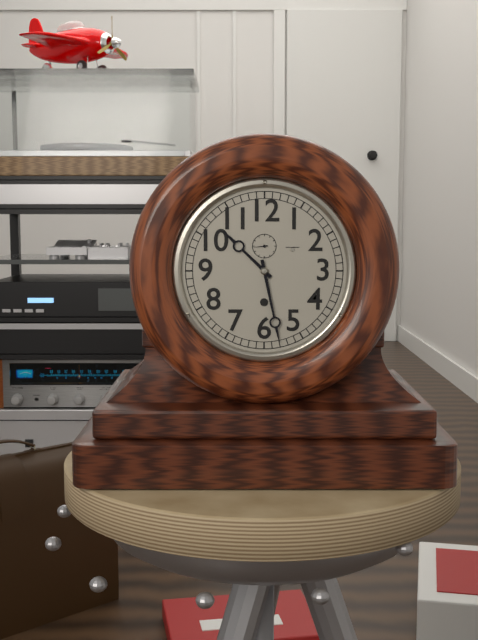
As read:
{"hour": 10, "minute": 28}
